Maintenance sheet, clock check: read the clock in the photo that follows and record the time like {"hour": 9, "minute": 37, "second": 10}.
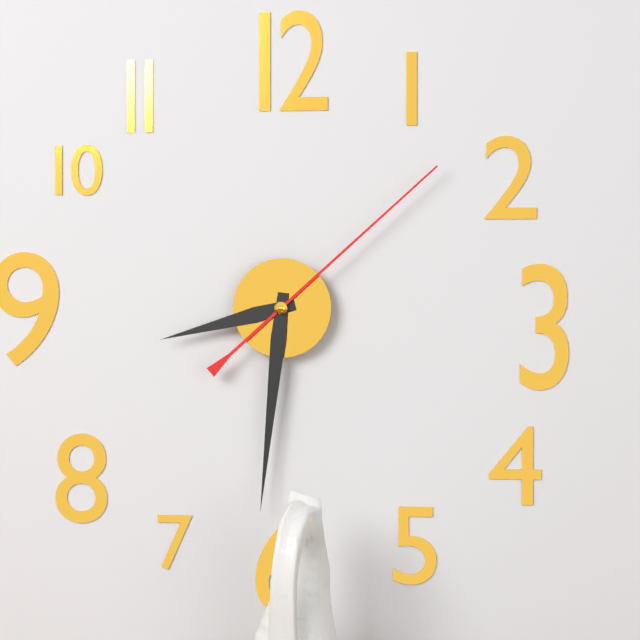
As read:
{"hour": 8, "minute": 31, "second": 8}
